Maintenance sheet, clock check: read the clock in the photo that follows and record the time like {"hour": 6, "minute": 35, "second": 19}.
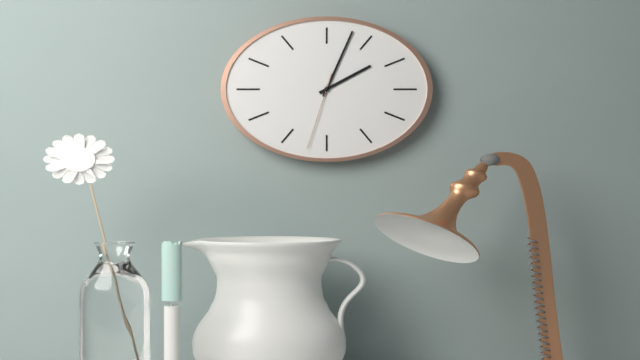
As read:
{"hour": 2, "minute": 4, "second": 33}
